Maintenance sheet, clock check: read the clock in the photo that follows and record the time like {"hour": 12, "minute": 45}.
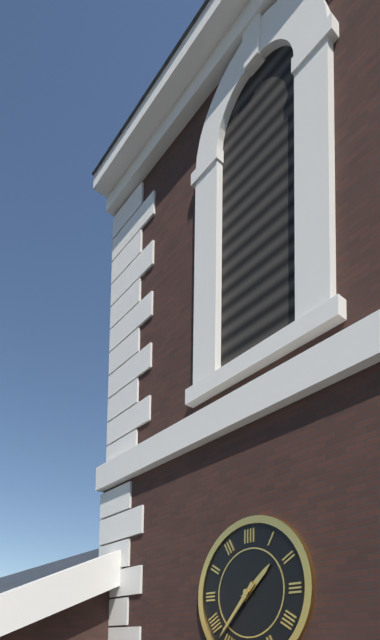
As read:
{"hour": 1, "minute": 37}
